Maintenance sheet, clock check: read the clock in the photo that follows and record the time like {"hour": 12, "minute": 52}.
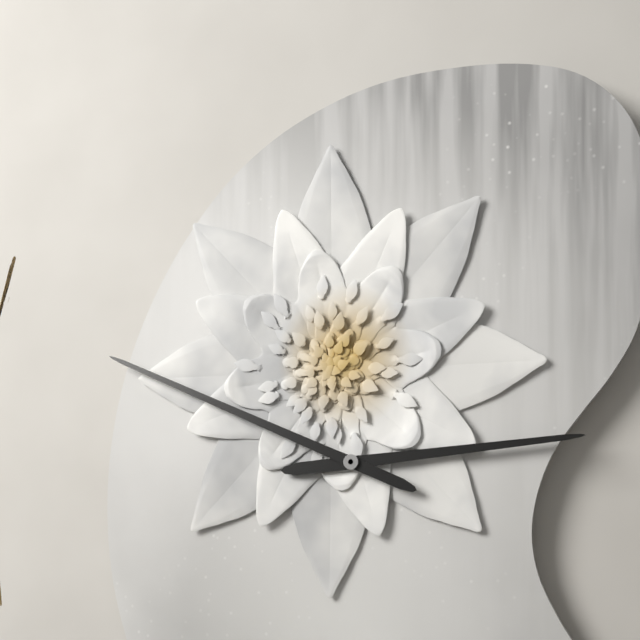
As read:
{"hour": 2, "minute": 49}
